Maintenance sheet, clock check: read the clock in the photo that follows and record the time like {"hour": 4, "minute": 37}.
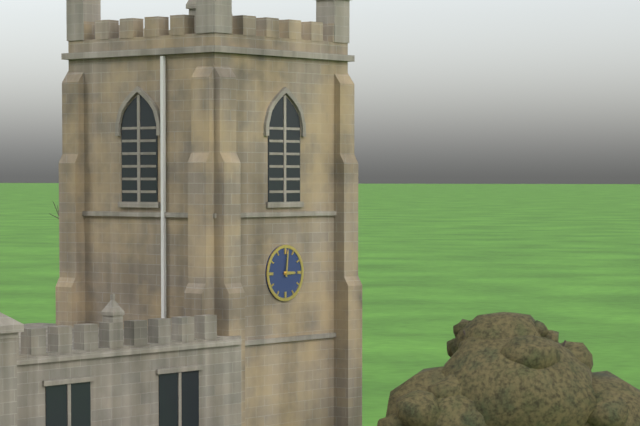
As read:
{"hour": 3, "minute": 1}
